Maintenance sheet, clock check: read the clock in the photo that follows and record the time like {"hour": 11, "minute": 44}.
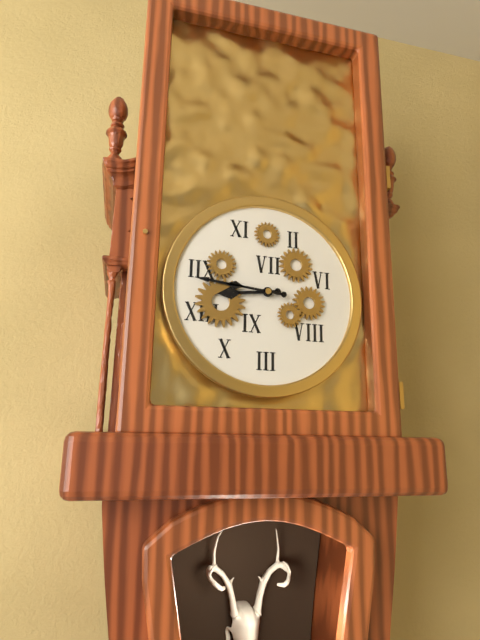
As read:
{"hour": 8, "minute": 46}
